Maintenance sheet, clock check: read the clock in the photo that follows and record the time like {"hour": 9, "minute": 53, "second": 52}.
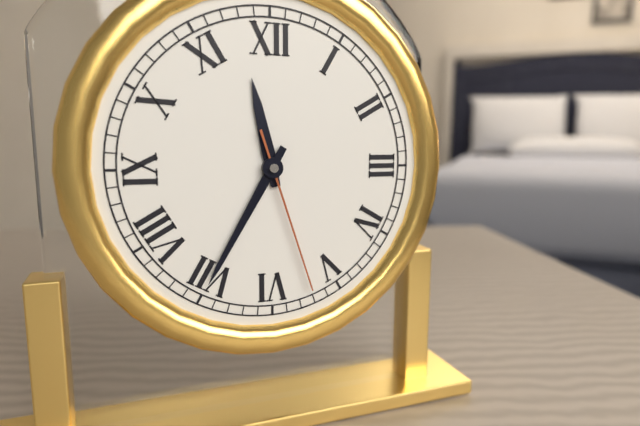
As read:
{"hour": 11, "minute": 35, "second": 27}
